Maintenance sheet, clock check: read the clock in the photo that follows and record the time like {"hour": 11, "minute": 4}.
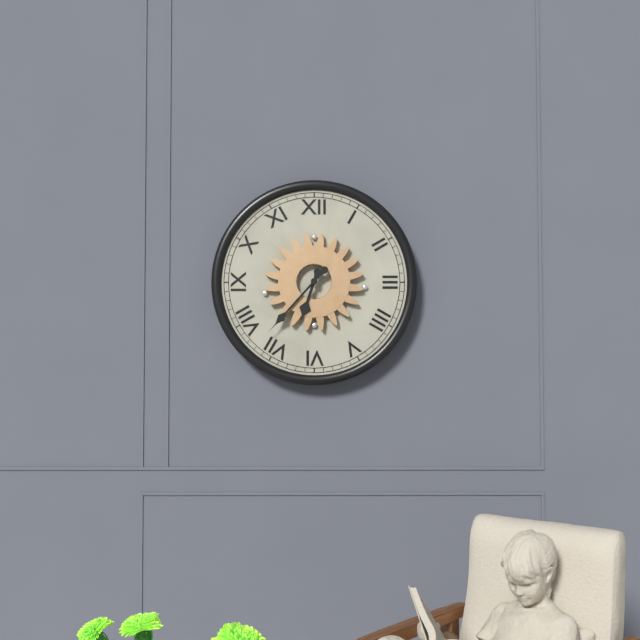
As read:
{"hour": 6, "minute": 37}
